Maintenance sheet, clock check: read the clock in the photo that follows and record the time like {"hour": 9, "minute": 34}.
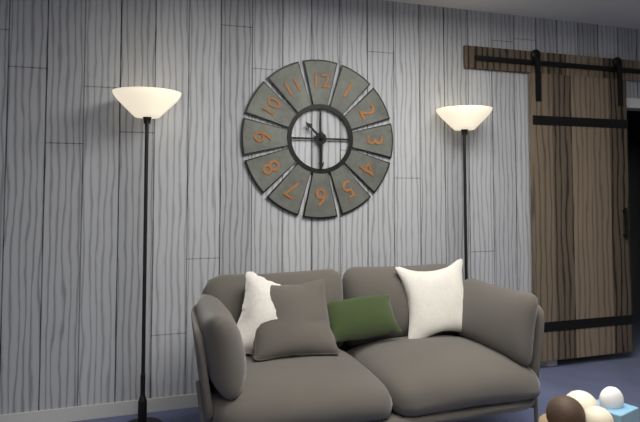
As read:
{"hour": 10, "minute": 30}
